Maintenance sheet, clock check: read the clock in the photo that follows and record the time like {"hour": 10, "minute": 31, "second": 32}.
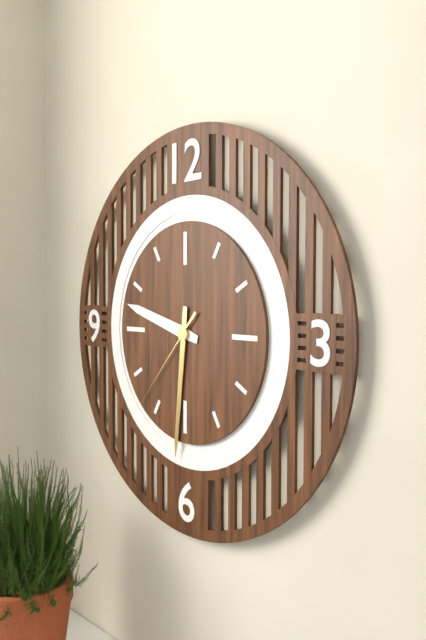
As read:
{"hour": 9, "minute": 31, "second": 37}
